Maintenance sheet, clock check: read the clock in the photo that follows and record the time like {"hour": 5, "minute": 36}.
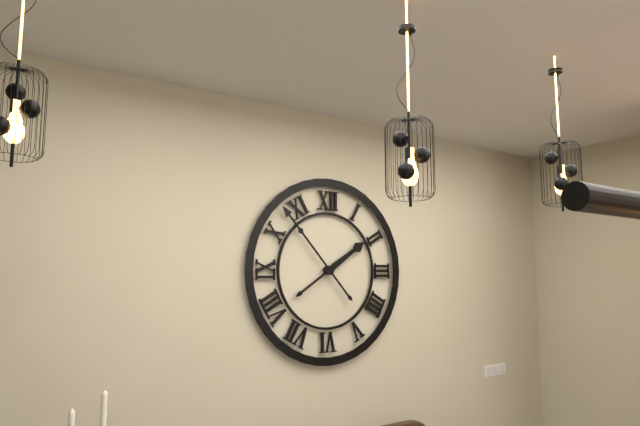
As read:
{"hour": 1, "minute": 53}
